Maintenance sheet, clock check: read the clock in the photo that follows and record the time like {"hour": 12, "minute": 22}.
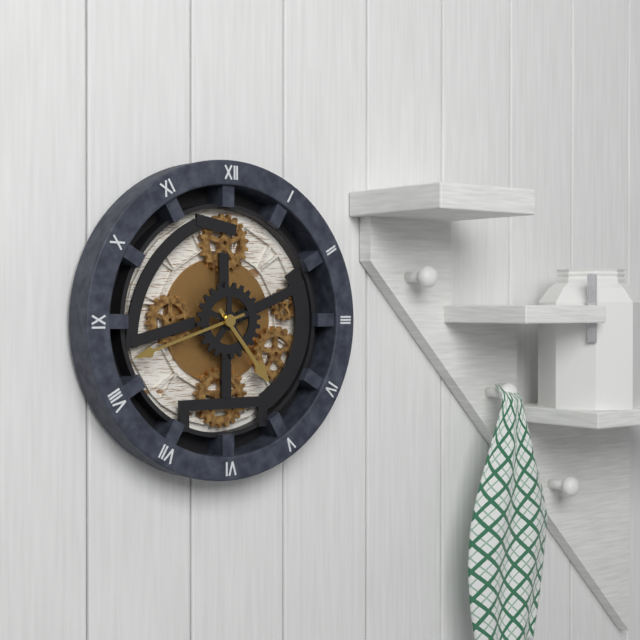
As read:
{"hour": 4, "minute": 42}
